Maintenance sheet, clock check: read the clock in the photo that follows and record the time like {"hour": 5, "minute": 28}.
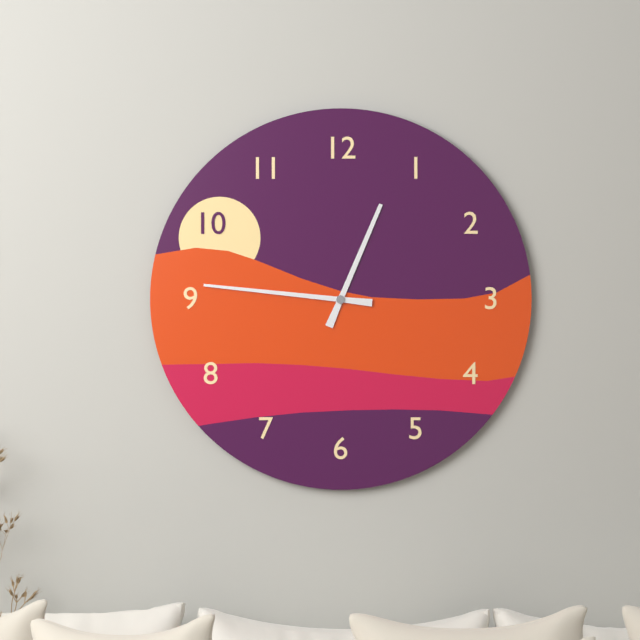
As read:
{"hour": 12, "minute": 46}
